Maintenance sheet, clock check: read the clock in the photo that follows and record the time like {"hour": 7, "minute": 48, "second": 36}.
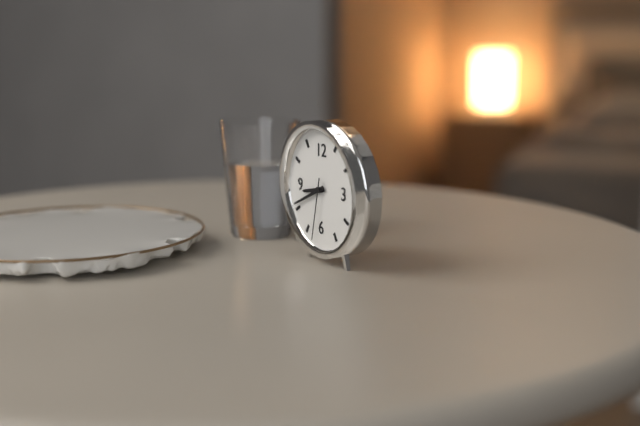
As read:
{"hour": 8, "minute": 41, "second": 32}
